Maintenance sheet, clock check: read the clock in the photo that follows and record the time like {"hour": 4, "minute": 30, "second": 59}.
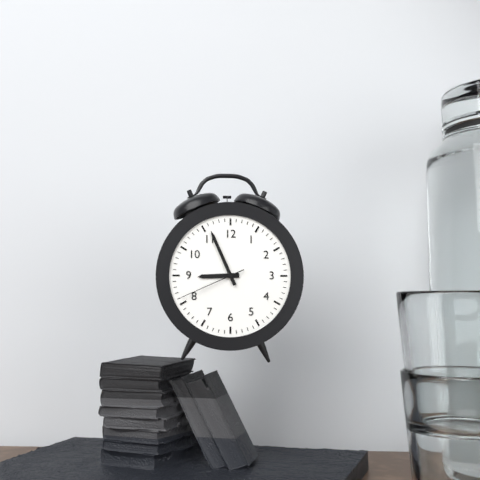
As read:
{"hour": 8, "minute": 56, "second": 41}
